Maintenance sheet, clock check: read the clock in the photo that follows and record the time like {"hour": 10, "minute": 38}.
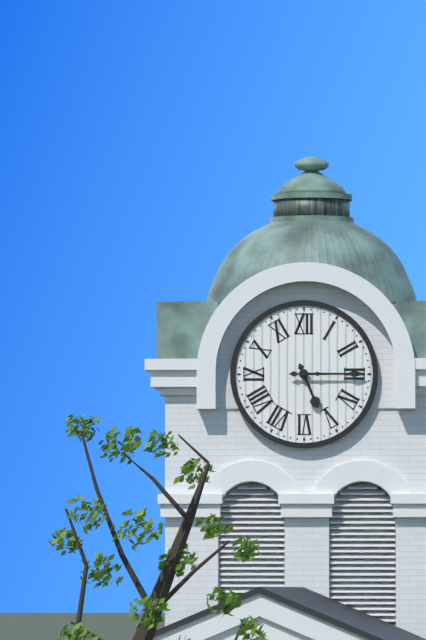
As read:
{"hour": 5, "minute": 15}
